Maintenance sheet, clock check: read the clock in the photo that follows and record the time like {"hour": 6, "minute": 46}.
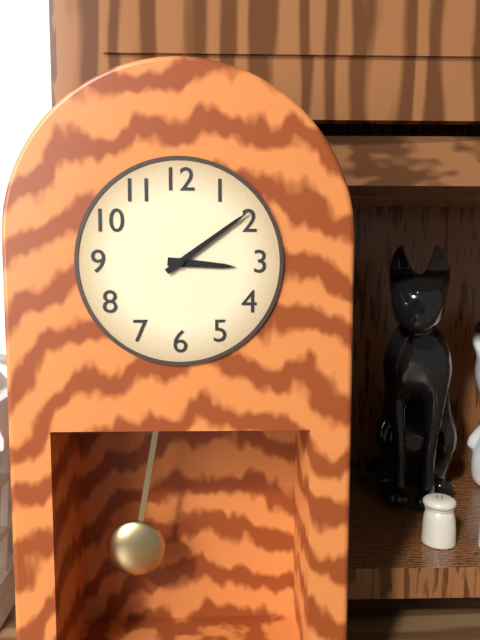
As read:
{"hour": 3, "minute": 9}
